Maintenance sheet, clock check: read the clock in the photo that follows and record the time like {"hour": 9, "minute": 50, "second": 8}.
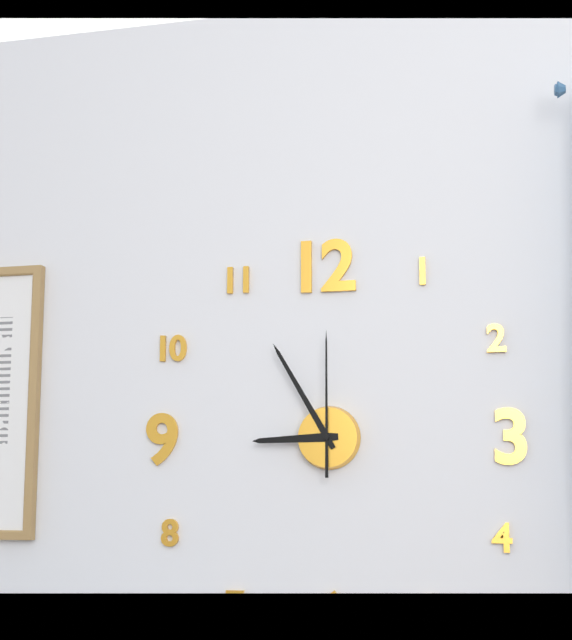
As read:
{"hour": 8, "minute": 55, "second": 0}
